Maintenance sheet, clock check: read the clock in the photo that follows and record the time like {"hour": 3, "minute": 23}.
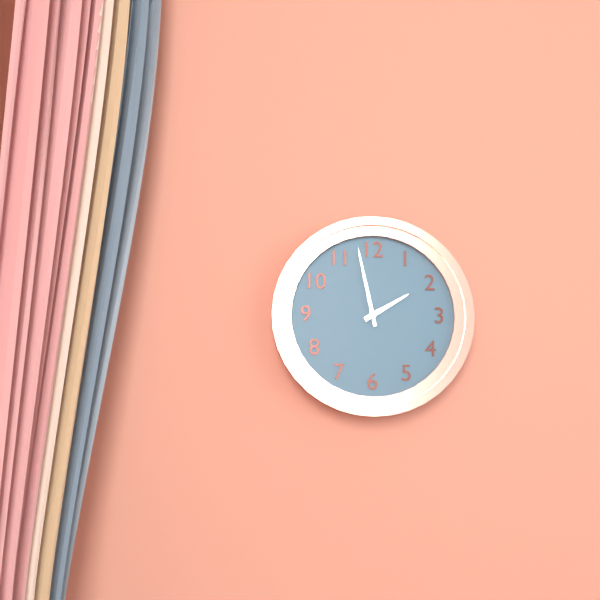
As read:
{"hour": 1, "minute": 58}
